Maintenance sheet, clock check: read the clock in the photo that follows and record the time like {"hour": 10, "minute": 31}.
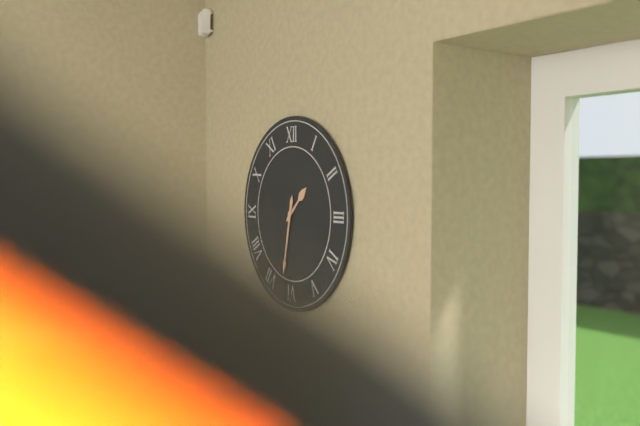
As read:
{"hour": 1, "minute": 32}
